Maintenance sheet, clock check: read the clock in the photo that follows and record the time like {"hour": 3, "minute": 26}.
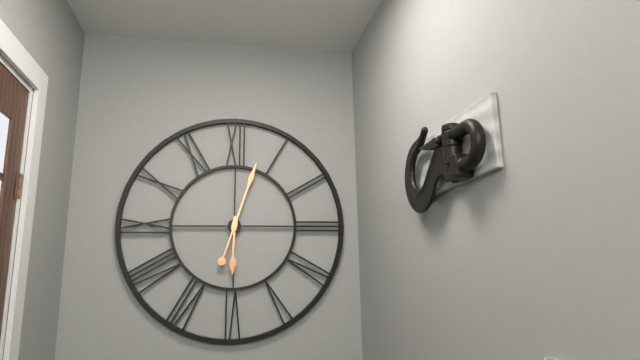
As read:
{"hour": 6, "minute": 3}
